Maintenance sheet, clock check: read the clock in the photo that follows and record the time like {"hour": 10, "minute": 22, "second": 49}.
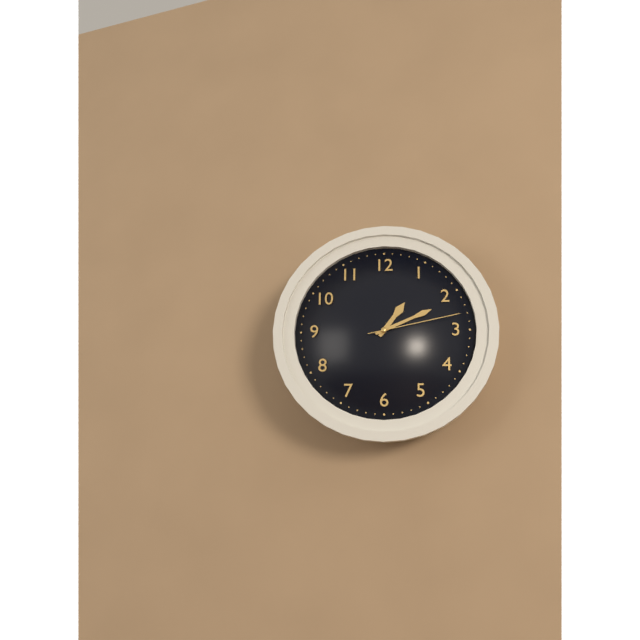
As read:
{"hour": 1, "minute": 11, "second": 13}
